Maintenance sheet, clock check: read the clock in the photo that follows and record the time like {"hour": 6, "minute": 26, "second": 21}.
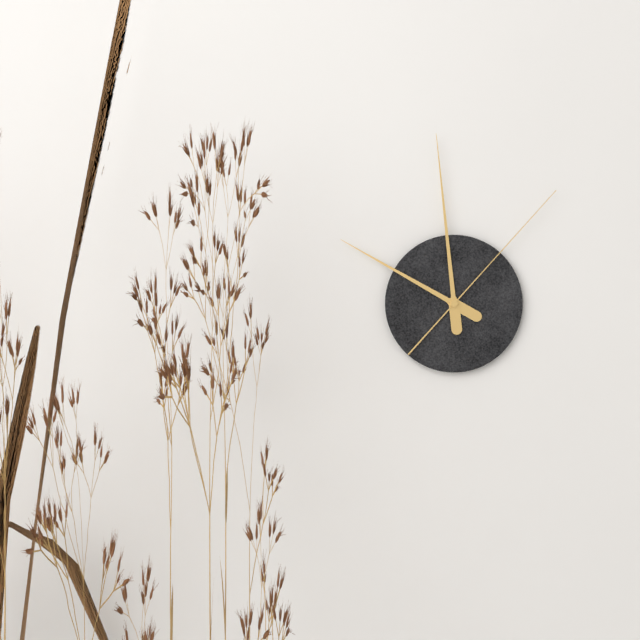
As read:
{"hour": 9, "minute": 59, "second": 7}
